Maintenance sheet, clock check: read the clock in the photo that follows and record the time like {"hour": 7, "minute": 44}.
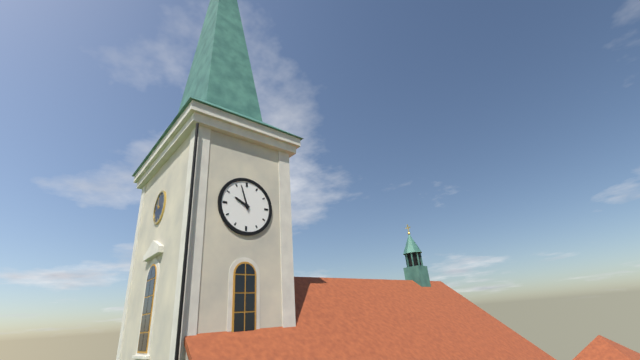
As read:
{"hour": 9, "minute": 57}
